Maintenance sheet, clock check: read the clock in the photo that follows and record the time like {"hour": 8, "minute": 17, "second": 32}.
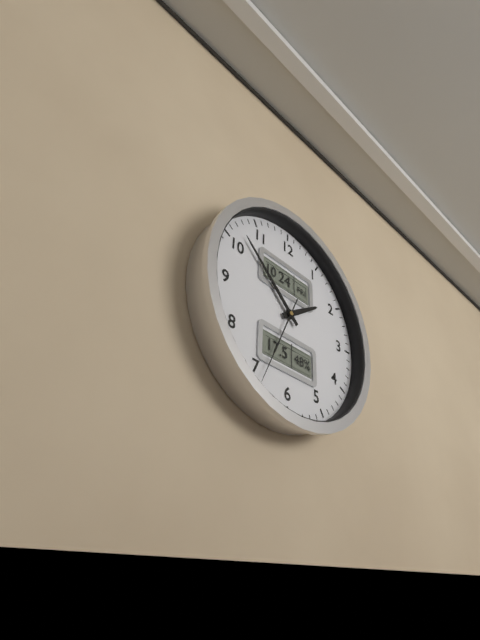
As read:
{"hour": 1, "minute": 52, "second": 34}
